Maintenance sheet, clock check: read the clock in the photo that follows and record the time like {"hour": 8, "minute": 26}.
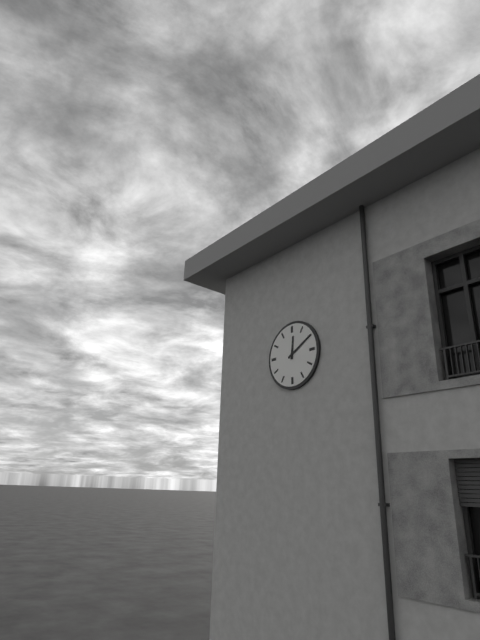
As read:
{"hour": 12, "minute": 10}
